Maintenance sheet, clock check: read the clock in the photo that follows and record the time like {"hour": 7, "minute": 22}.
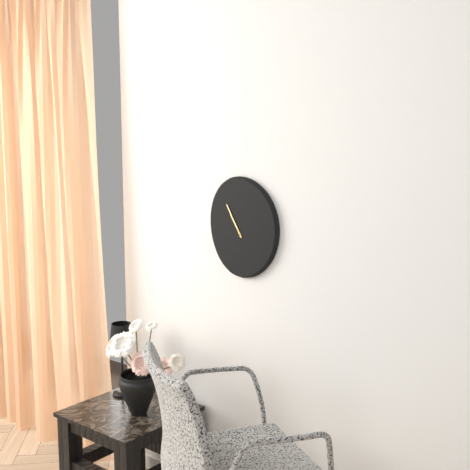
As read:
{"hour": 10, "minute": 55}
